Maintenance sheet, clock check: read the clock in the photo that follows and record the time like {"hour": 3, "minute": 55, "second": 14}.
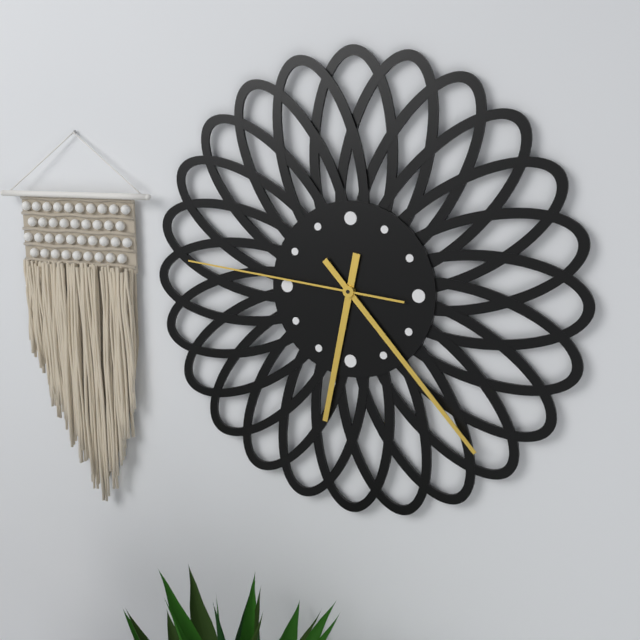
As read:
{"hour": 6, "minute": 23, "second": 46}
